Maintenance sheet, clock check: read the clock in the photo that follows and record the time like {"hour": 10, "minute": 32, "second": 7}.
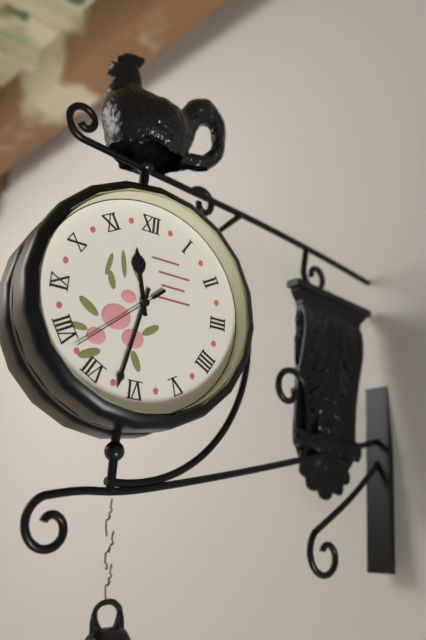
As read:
{"hour": 11, "minute": 32, "second": 38}
